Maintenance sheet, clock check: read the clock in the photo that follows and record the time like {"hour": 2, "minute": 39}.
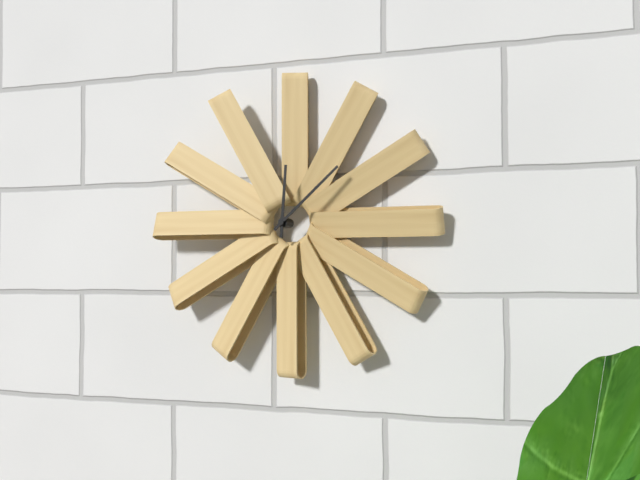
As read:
{"hour": 12, "minute": 8}
